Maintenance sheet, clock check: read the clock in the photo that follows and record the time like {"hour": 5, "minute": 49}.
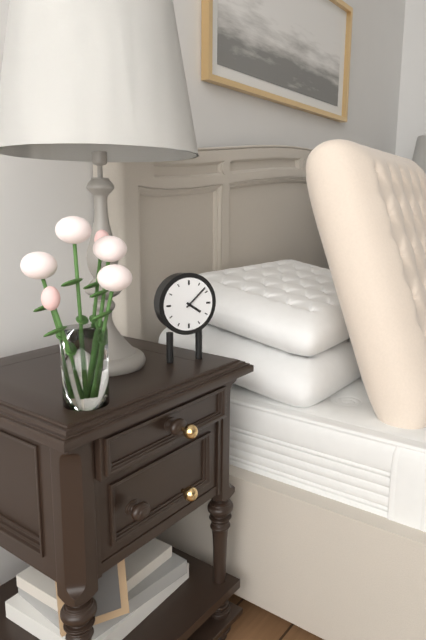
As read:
{"hour": 4, "minute": 8}
